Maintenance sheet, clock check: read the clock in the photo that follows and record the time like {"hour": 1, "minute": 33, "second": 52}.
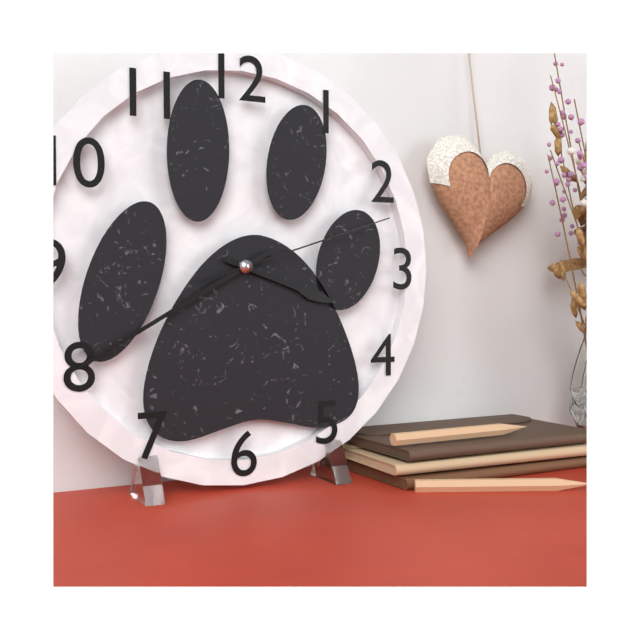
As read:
{"hour": 3, "minute": 40, "second": 12}
